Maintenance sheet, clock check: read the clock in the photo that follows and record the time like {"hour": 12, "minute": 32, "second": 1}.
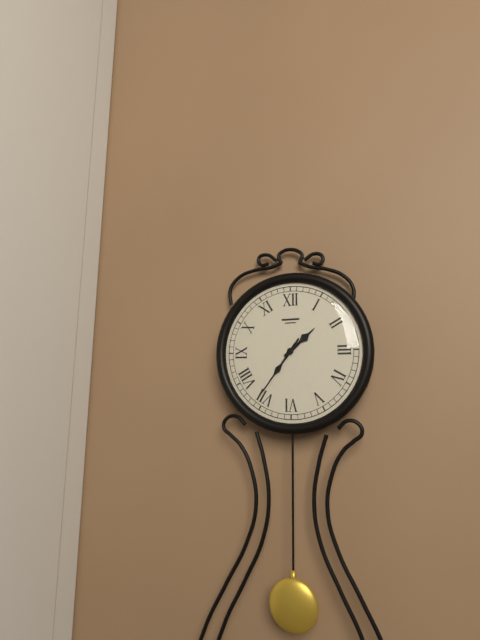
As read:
{"hour": 1, "minute": 36, "second": 36}
